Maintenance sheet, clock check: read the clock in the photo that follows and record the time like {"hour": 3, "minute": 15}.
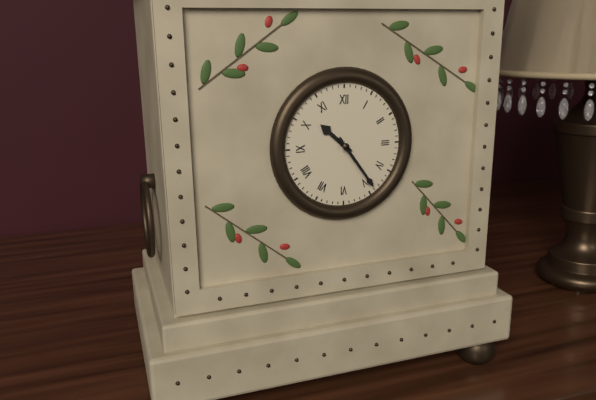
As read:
{"hour": 10, "minute": 24}
